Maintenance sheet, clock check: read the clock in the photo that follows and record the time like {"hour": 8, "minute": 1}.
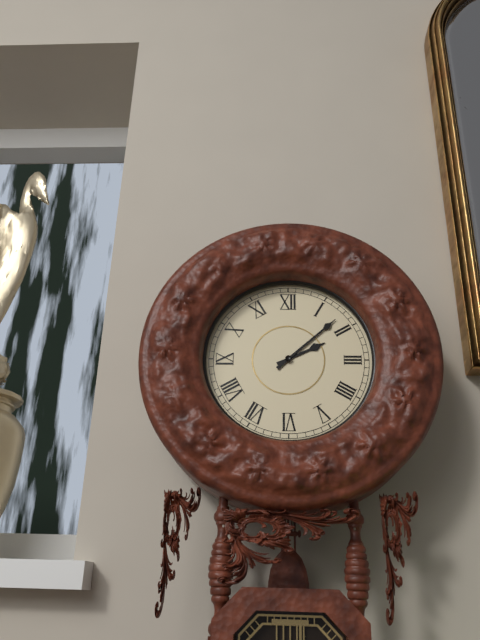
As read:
{"hour": 2, "minute": 8}
